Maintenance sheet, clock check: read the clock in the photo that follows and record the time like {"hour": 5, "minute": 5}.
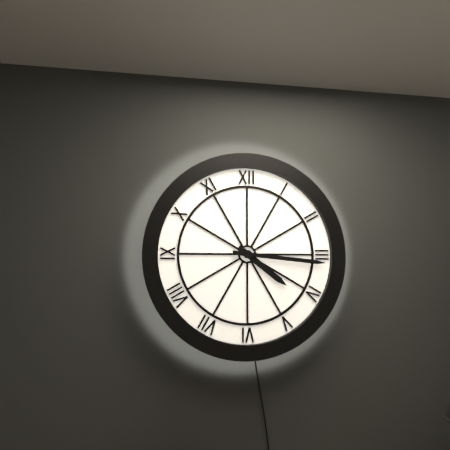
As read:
{"hour": 4, "minute": 16}
